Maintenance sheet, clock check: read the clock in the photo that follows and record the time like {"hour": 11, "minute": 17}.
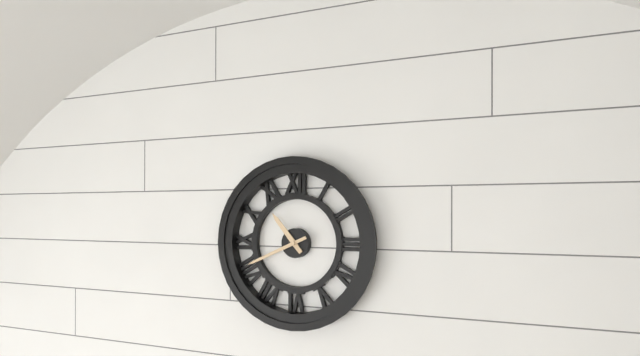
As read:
{"hour": 10, "minute": 41}
